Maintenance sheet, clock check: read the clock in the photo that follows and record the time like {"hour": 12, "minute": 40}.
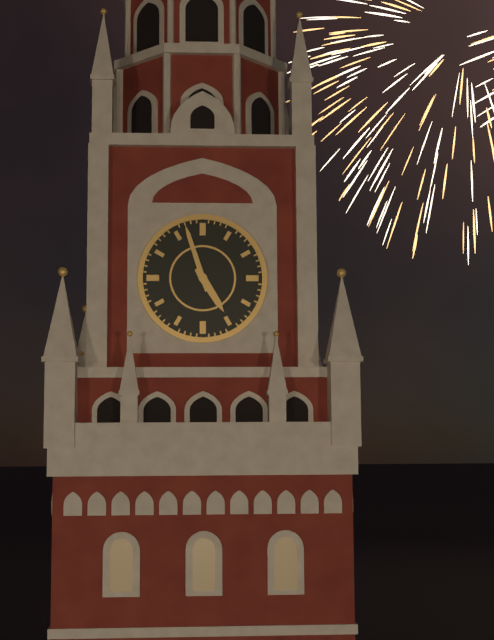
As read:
{"hour": 4, "minute": 57}
